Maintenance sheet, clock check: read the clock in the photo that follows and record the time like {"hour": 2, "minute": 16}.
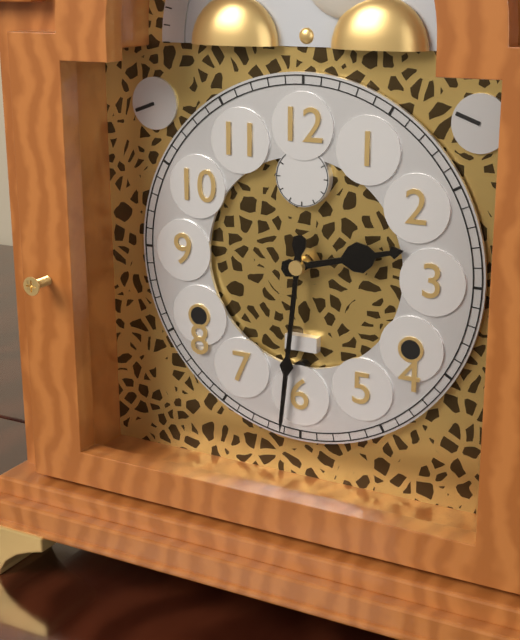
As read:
{"hour": 2, "minute": 31}
